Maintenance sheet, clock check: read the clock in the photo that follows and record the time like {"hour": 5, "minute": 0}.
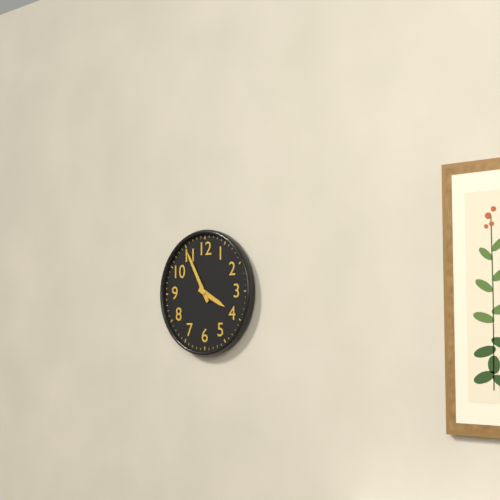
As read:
{"hour": 3, "minute": 55}
